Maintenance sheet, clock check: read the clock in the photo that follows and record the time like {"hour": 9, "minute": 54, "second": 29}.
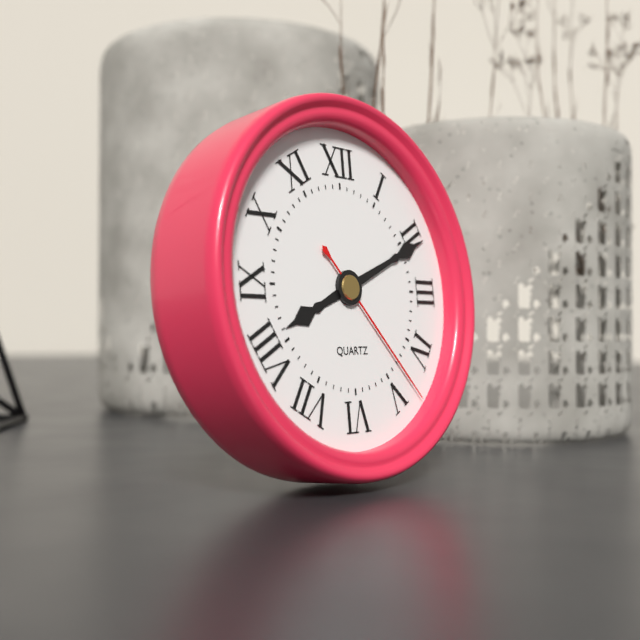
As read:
{"hour": 8, "minute": 11, "second": 23}
